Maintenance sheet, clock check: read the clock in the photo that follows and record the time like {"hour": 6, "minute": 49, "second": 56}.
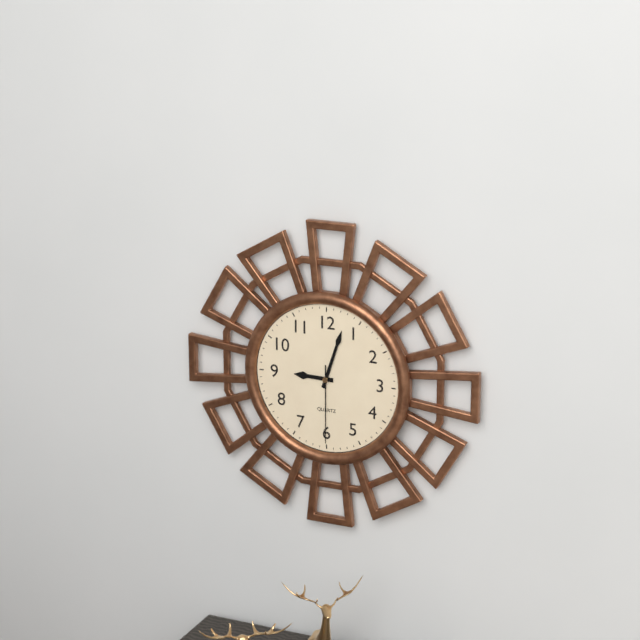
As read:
{"hour": 9, "minute": 3, "second": 30}
